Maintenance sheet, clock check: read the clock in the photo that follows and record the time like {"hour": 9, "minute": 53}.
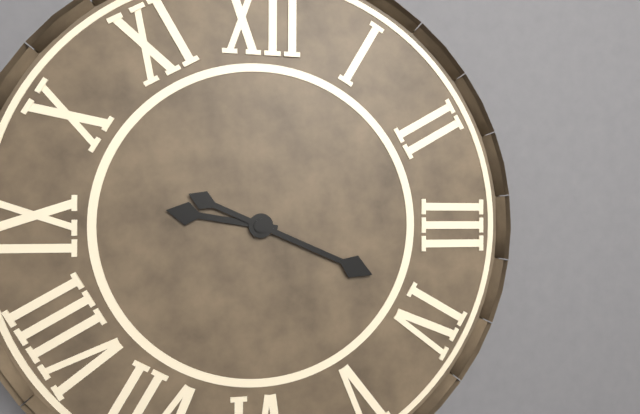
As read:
{"hour": 9, "minute": 19}
